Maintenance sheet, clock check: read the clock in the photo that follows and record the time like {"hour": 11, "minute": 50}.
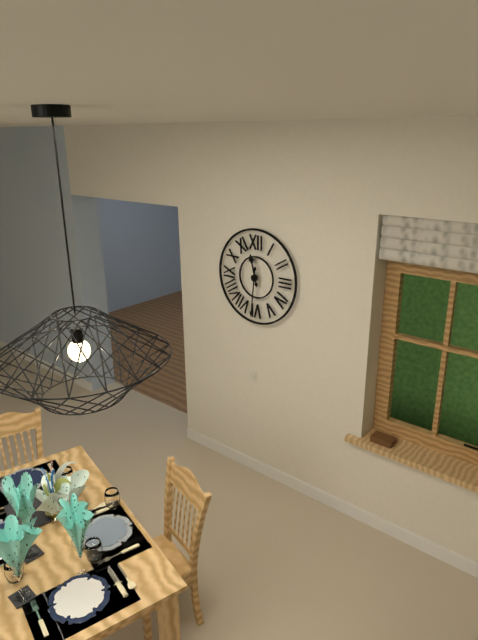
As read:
{"hour": 11, "minute": 31}
